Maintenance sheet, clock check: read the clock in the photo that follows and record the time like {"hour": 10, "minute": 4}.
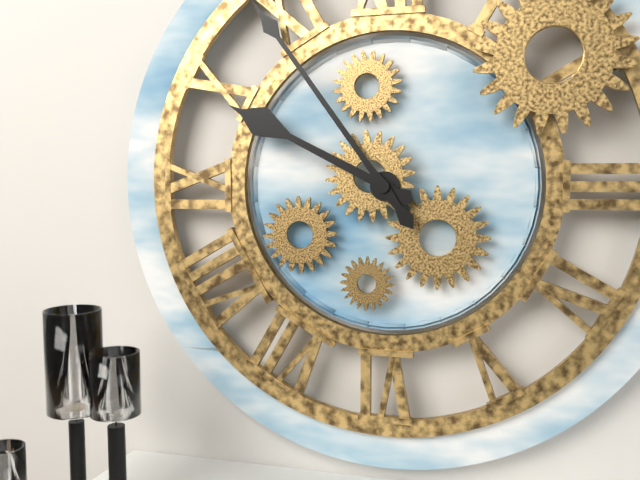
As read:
{"hour": 9, "minute": 54}
